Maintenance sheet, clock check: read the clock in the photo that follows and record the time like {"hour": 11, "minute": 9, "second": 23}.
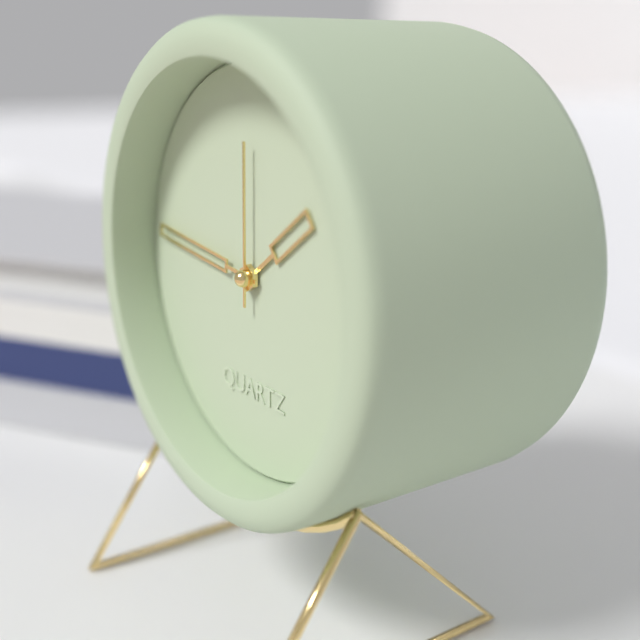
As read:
{"hour": 1, "minute": 46, "second": 0}
